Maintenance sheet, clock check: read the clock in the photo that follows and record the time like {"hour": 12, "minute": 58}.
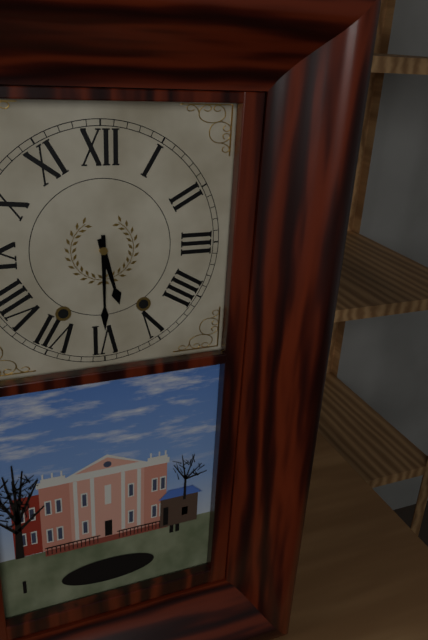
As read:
{"hour": 5, "minute": 30}
